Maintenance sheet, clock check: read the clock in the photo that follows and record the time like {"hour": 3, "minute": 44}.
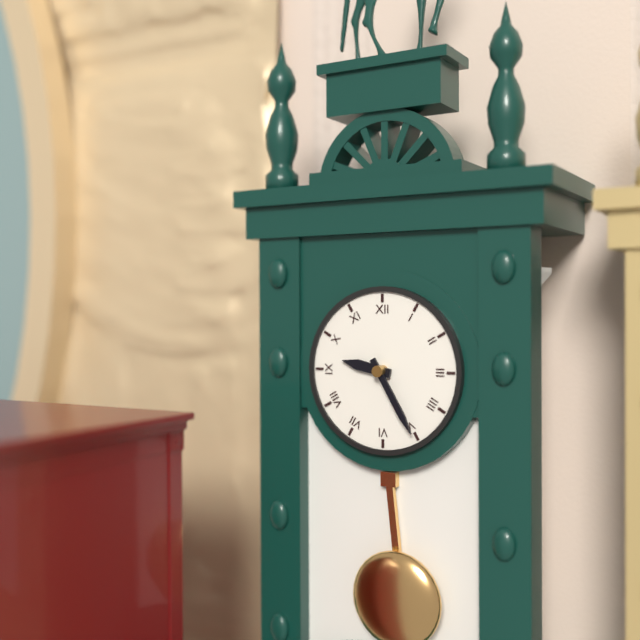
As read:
{"hour": 9, "minute": 25}
